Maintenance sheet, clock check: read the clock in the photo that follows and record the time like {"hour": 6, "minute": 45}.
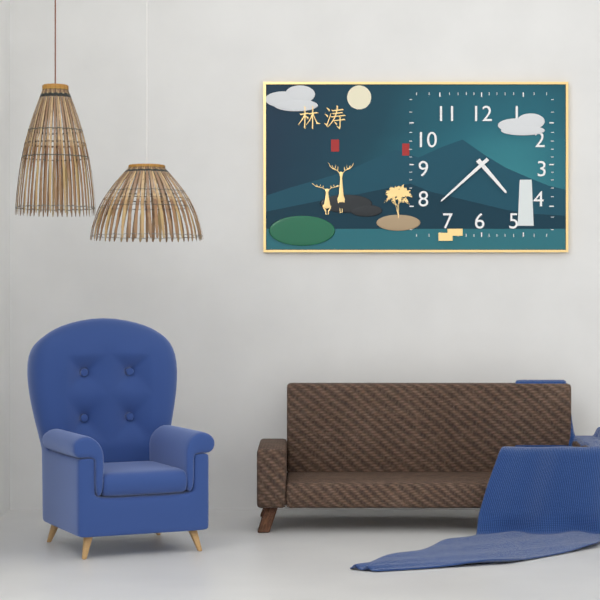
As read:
{"hour": 4, "minute": 38}
